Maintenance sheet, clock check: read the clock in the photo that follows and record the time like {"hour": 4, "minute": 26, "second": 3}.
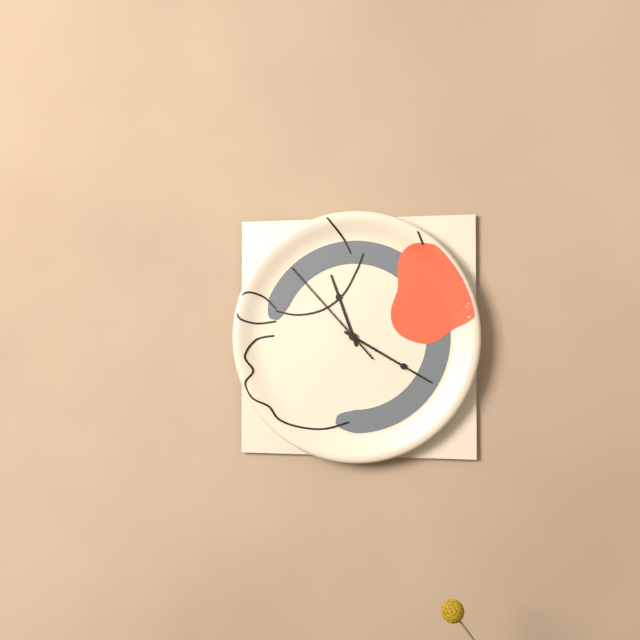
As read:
{"hour": 11, "minute": 20, "second": 53}
